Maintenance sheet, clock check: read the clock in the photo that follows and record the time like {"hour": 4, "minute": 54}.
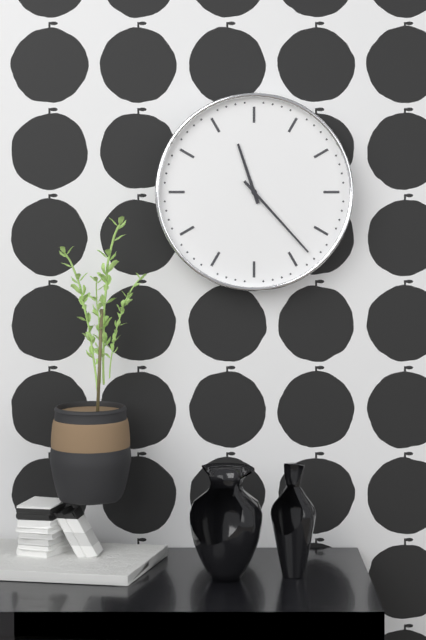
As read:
{"hour": 11, "minute": 23}
